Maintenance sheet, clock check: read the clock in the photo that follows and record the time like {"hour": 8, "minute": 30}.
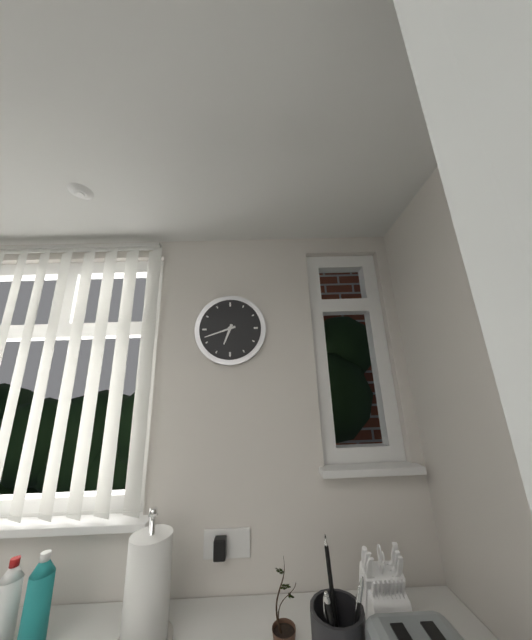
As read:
{"hour": 6, "minute": 42}
